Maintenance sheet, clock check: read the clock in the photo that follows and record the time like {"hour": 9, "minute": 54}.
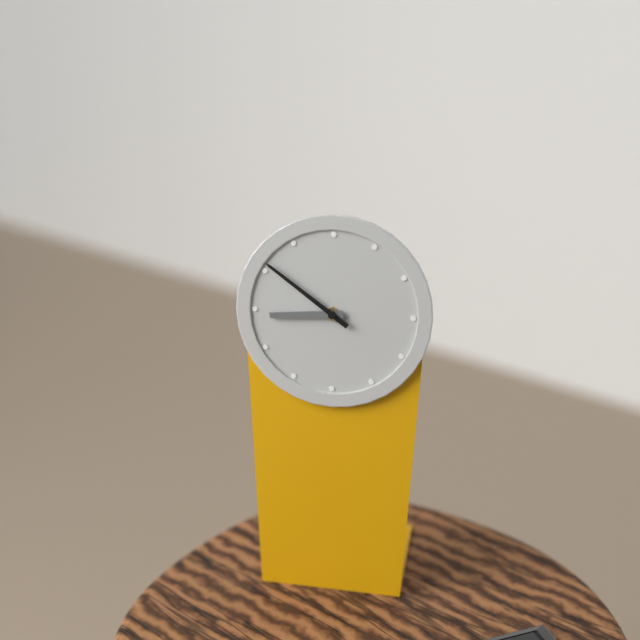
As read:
{"hour": 8, "minute": 51}
